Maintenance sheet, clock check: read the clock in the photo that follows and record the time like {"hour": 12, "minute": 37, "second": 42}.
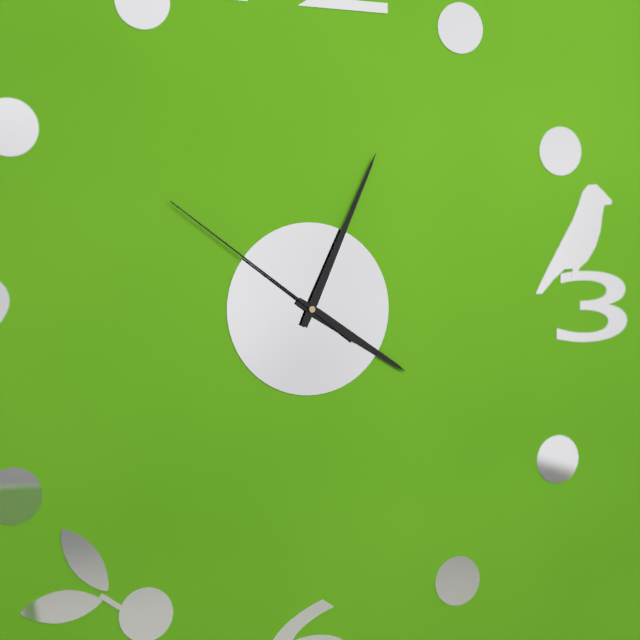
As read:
{"hour": 4, "minute": 4, "second": 51}
